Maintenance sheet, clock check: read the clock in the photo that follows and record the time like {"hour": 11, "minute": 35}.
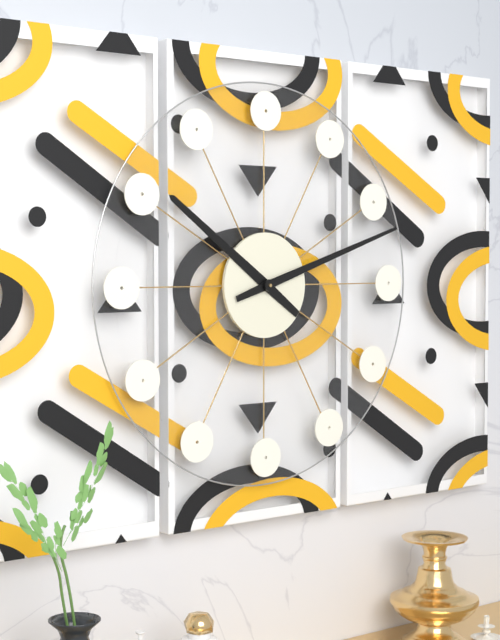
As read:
{"hour": 10, "minute": 12}
